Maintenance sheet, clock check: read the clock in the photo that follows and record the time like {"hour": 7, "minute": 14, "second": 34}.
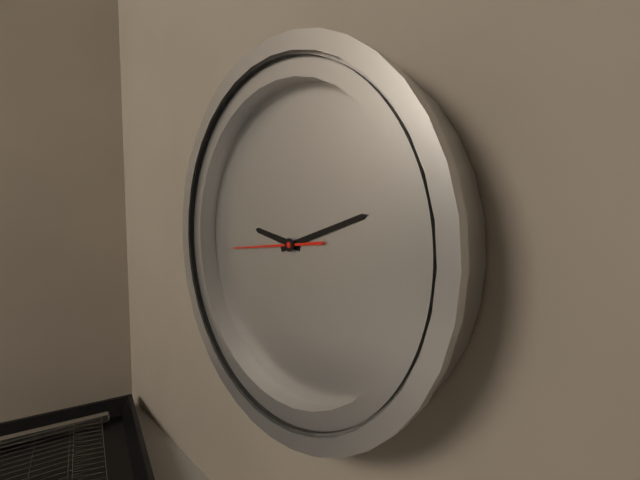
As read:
{"hour": 9, "minute": 11, "second": 43}
